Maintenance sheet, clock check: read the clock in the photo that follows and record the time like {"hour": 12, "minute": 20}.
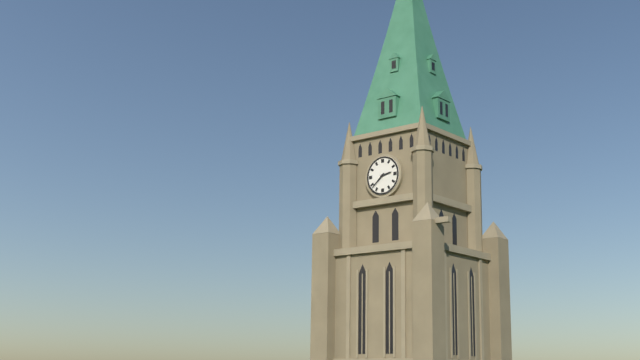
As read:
{"hour": 2, "minute": 38}
